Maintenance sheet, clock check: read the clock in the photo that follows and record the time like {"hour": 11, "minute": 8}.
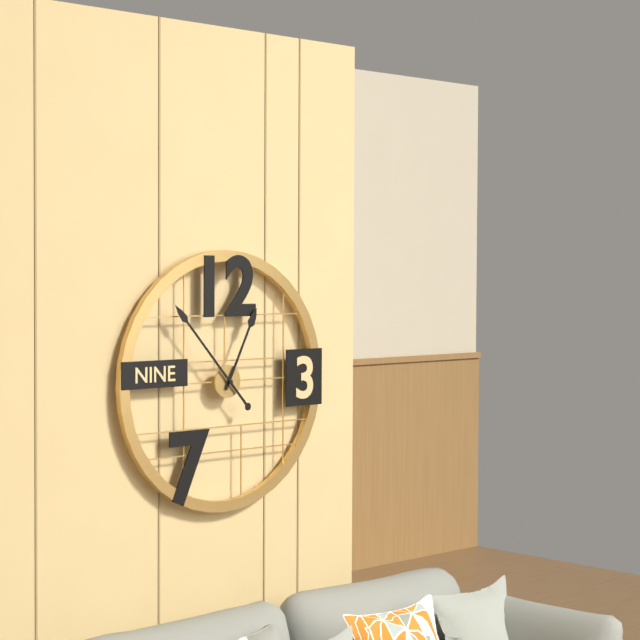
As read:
{"hour": 12, "minute": 53}
